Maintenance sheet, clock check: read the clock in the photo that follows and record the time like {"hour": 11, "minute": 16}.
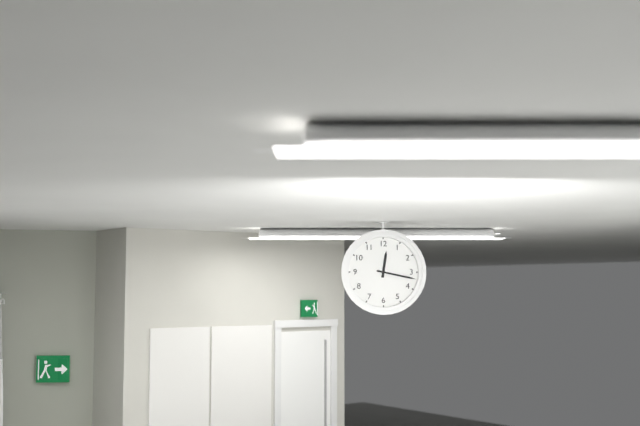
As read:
{"hour": 12, "minute": 17}
